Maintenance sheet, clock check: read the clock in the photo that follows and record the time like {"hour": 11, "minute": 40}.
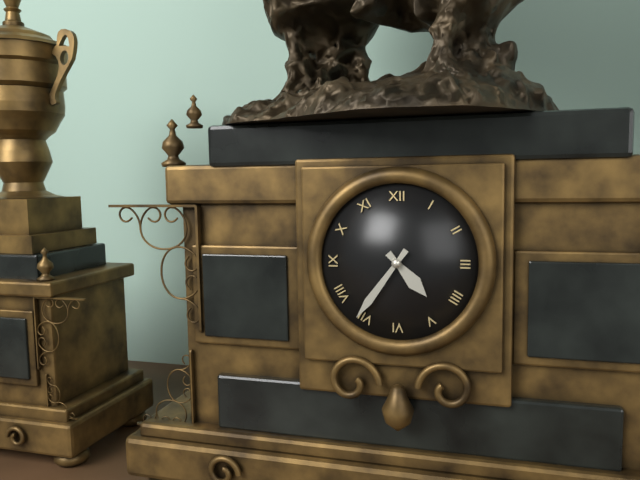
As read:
{"hour": 4, "minute": 36}
